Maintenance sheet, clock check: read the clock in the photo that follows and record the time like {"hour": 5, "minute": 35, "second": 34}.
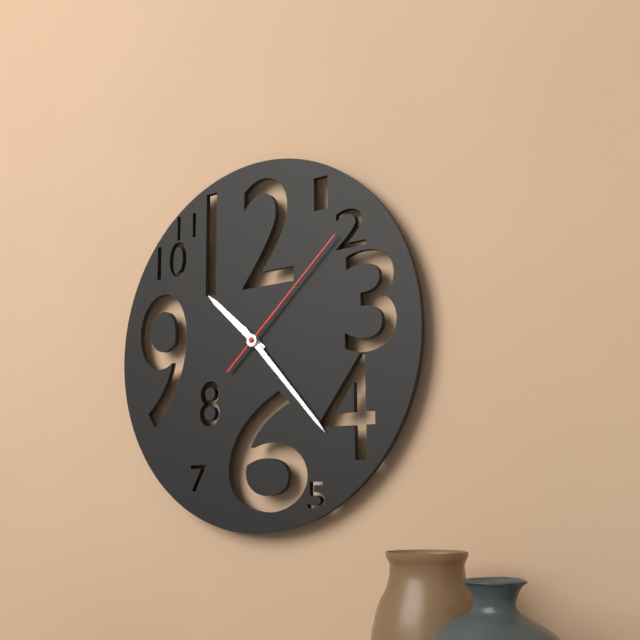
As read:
{"hour": 10, "minute": 23, "second": 8}
